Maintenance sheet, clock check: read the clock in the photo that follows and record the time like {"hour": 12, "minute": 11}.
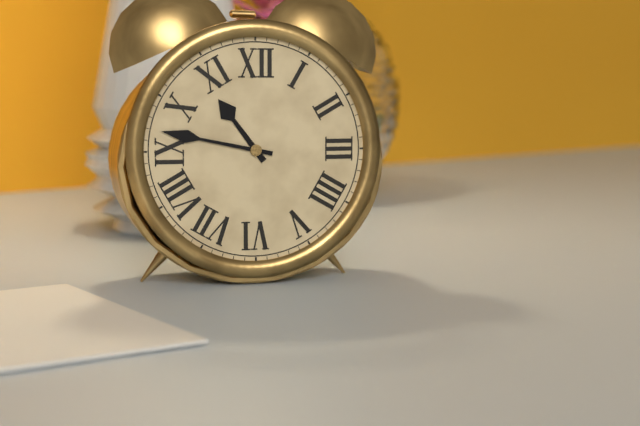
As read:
{"hour": 10, "minute": 47}
